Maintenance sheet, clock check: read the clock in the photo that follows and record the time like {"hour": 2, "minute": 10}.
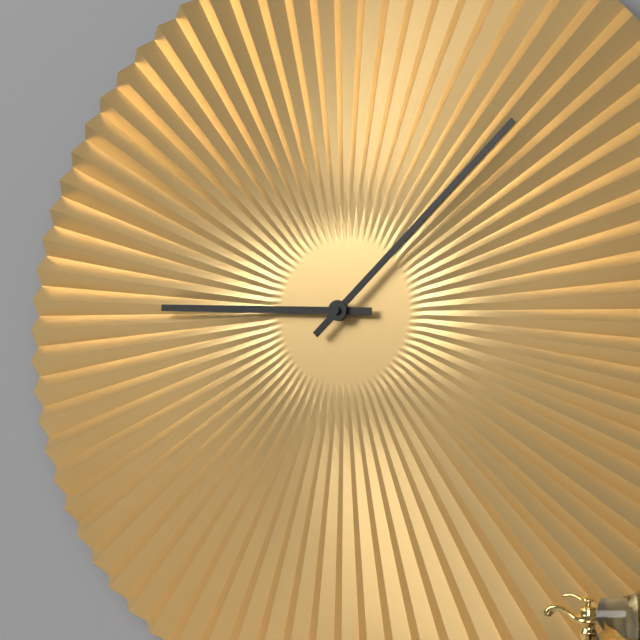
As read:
{"hour": 9, "minute": 8}
